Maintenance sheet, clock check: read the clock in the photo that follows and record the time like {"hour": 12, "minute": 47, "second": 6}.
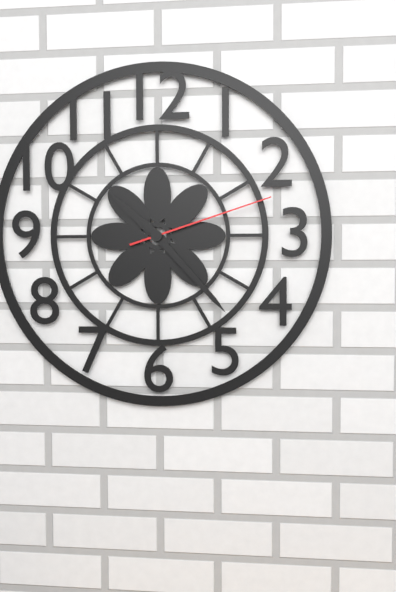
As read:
{"hour": 10, "minute": 23, "second": 12}
